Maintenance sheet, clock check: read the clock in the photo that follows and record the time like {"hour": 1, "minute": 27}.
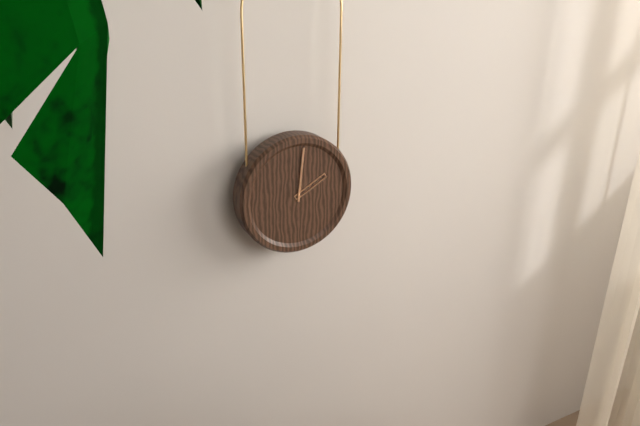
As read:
{"hour": 2, "minute": 1}
